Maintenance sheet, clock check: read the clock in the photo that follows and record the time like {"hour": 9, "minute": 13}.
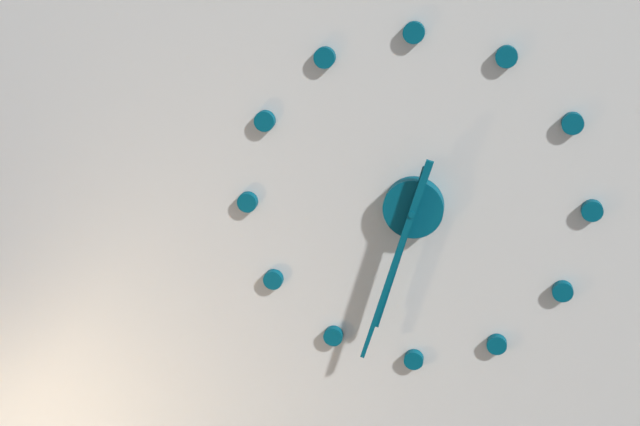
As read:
{"hour": 6, "minute": 33}
